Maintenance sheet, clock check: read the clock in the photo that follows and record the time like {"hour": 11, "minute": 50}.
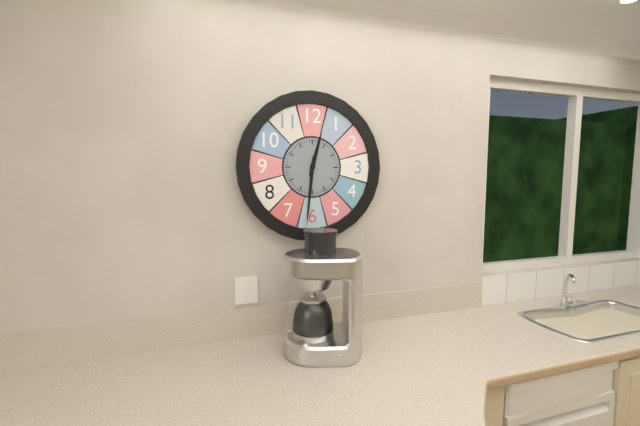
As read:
{"hour": 12, "minute": 31}
